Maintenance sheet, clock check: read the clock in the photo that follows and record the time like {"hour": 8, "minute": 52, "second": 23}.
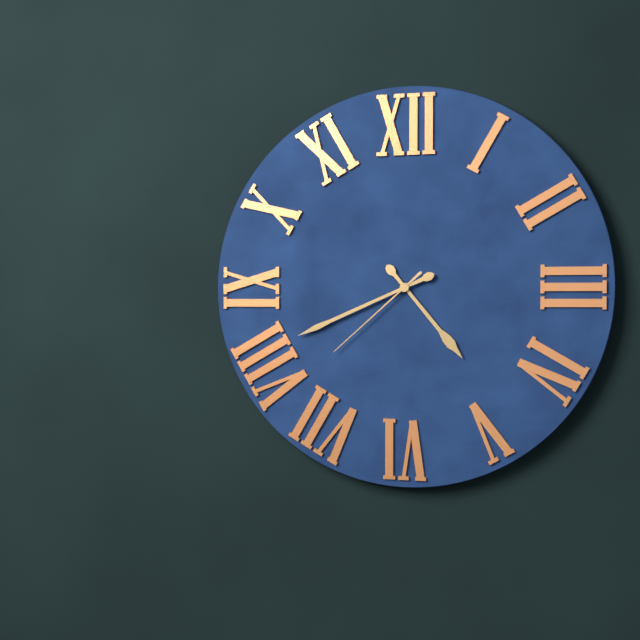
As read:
{"hour": 4, "minute": 41, "second": 38}
